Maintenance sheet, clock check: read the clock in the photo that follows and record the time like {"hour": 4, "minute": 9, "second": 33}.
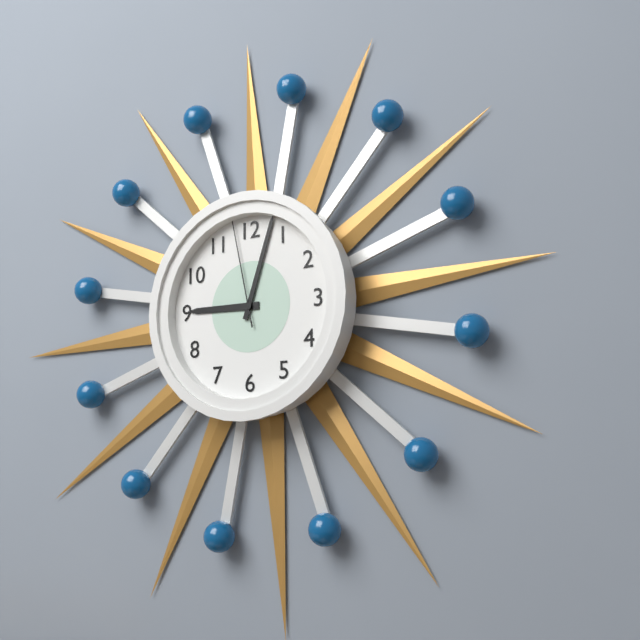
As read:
{"hour": 9, "minute": 3, "second": 58}
